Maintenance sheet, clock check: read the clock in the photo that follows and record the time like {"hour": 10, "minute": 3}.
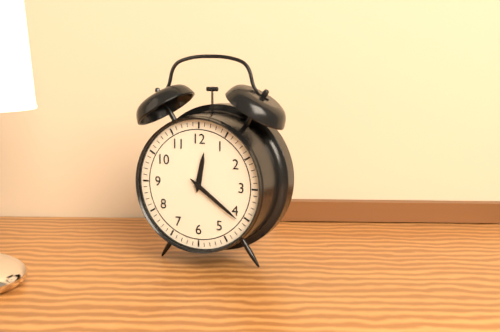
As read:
{"hour": 12, "minute": 21}
